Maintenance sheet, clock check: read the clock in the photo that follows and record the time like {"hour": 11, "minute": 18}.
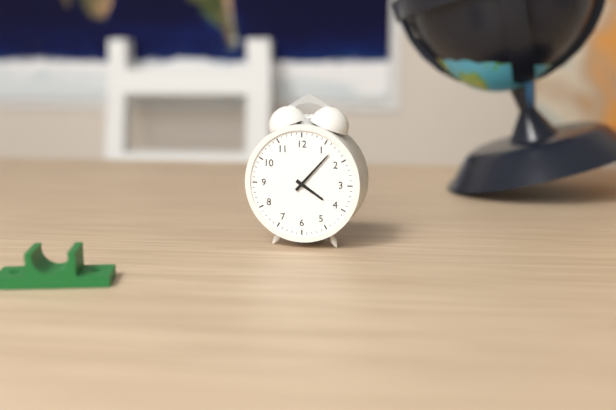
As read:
{"hour": 4, "minute": 7}
